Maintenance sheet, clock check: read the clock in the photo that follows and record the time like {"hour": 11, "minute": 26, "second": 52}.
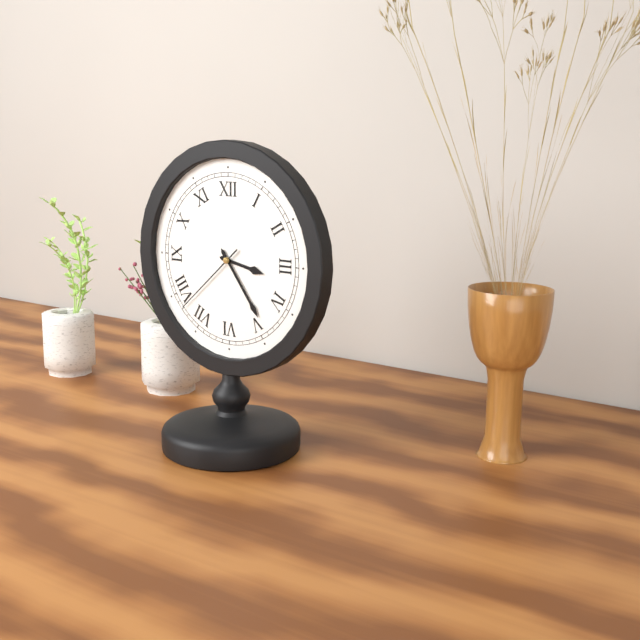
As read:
{"hour": 3, "minute": 24, "second": 38}
